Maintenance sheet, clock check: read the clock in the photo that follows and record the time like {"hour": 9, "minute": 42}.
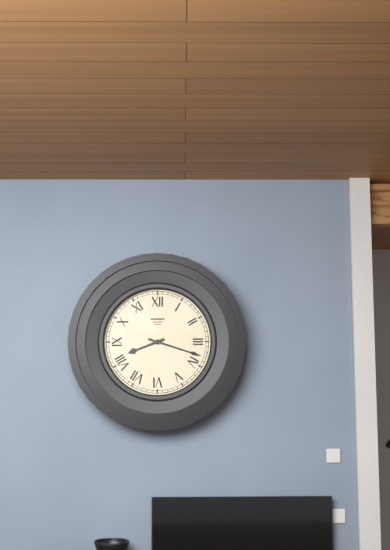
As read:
{"hour": 8, "minute": 18}
